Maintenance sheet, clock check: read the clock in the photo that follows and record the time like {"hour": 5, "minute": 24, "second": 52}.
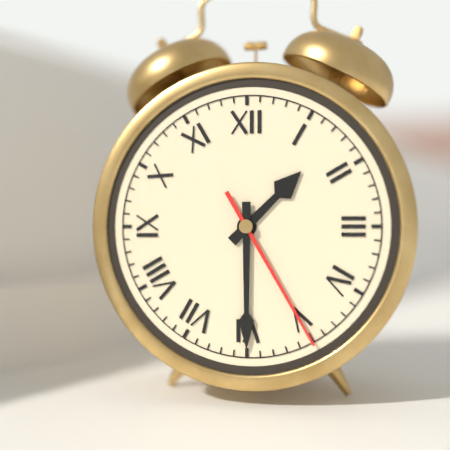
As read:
{"hour": 1, "minute": 30, "second": 25}
